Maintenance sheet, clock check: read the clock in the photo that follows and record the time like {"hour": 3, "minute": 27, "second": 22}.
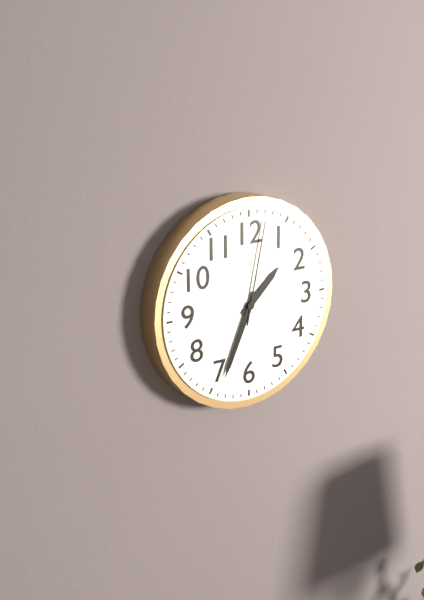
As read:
{"hour": 1, "minute": 34, "second": 2}
